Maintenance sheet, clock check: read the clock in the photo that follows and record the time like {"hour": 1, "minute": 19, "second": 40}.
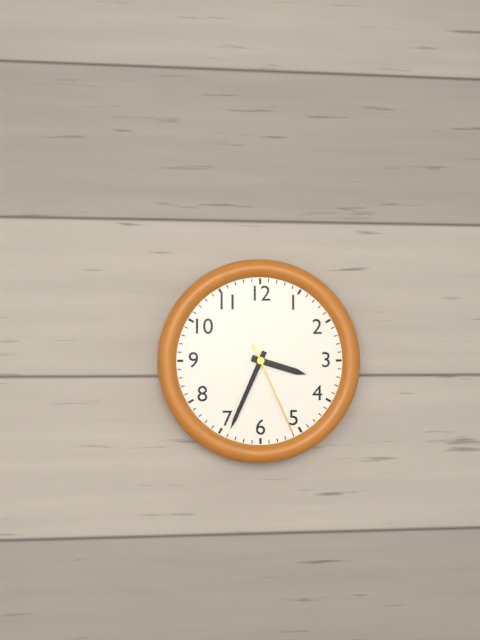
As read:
{"hour": 3, "minute": 34, "second": 26}
